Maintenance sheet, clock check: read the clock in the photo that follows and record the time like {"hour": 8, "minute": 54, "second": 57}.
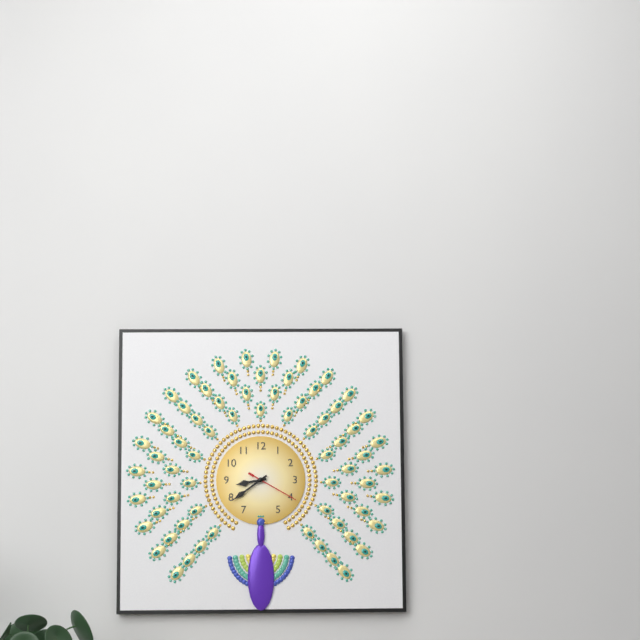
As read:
{"hour": 8, "minute": 39, "second": 20}
